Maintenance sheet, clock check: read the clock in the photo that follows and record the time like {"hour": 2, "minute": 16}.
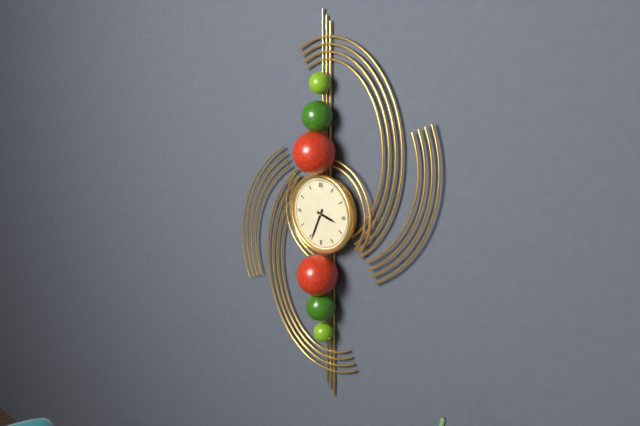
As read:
{"hour": 3, "minute": 34}
